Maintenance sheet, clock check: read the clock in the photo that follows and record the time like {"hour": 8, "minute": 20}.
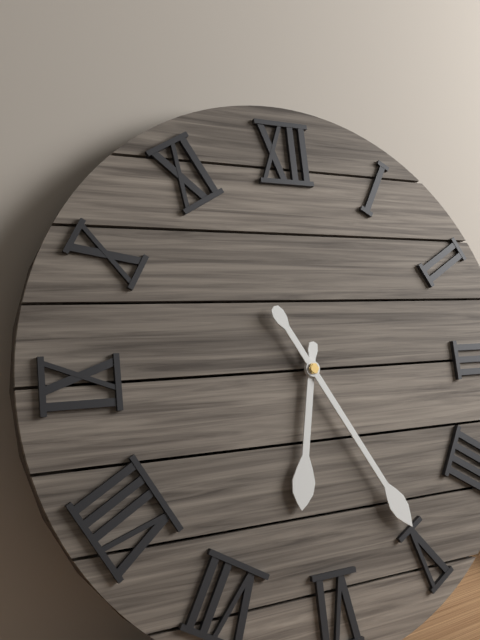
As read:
{"hour": 6, "minute": 25}
